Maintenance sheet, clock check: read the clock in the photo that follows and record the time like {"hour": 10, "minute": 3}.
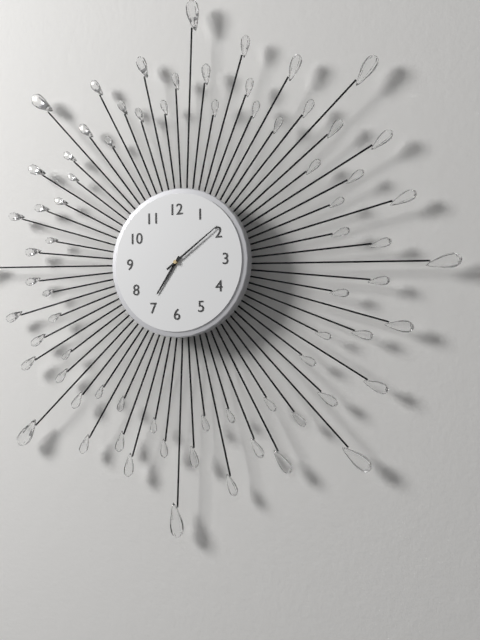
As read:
{"hour": 7, "minute": 9}
